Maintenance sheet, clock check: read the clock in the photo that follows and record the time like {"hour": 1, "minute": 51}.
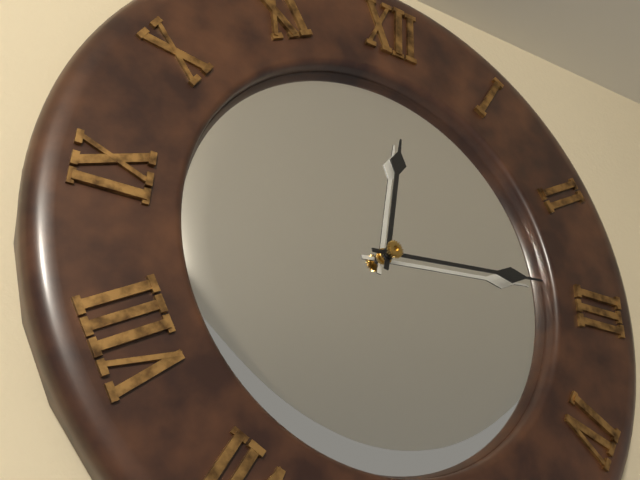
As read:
{"hour": 12, "minute": 14}
